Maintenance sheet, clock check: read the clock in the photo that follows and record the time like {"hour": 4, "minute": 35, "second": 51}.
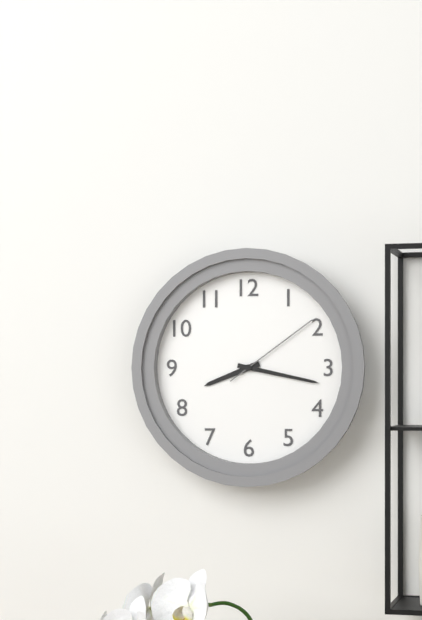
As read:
{"hour": 8, "minute": 17, "second": 9}
